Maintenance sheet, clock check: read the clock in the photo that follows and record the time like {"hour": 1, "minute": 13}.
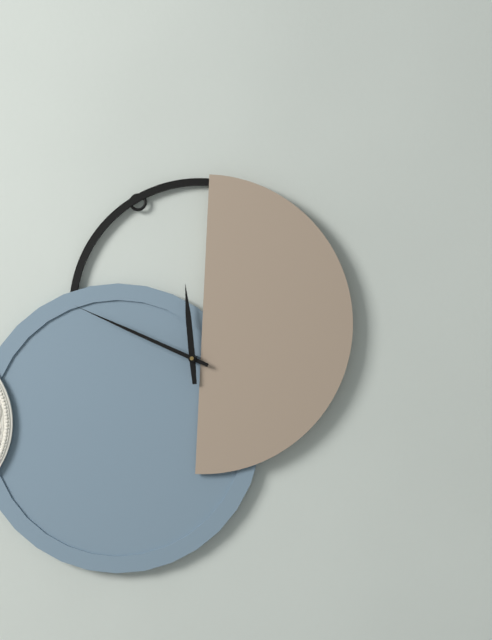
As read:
{"hour": 11, "minute": 49}
